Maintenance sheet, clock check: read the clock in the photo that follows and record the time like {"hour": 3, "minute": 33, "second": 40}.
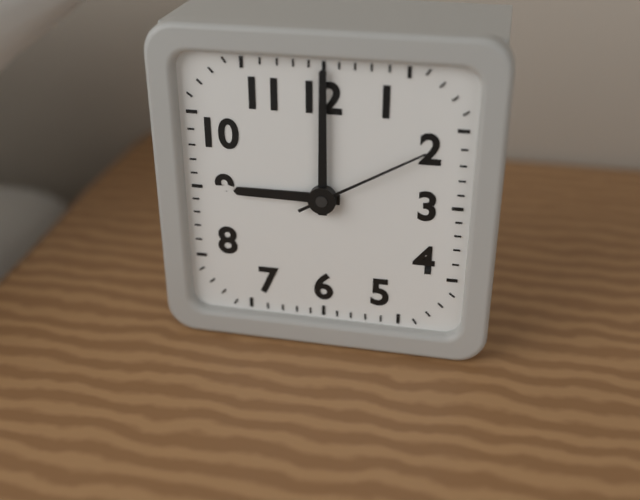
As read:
{"hour": 9, "minute": 0, "second": 10}
